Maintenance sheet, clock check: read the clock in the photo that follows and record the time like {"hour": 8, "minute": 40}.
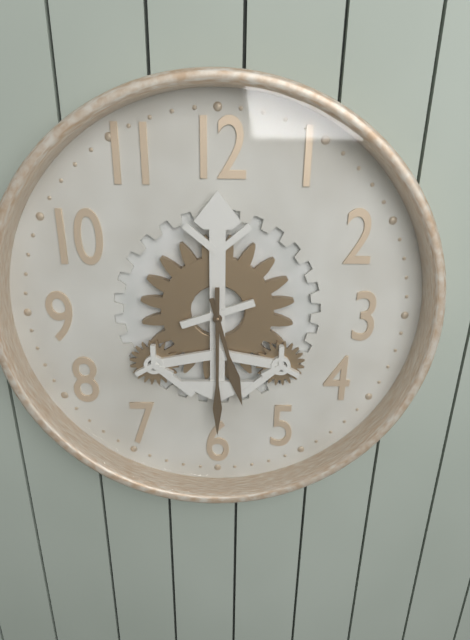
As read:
{"hour": 5, "minute": 30}
